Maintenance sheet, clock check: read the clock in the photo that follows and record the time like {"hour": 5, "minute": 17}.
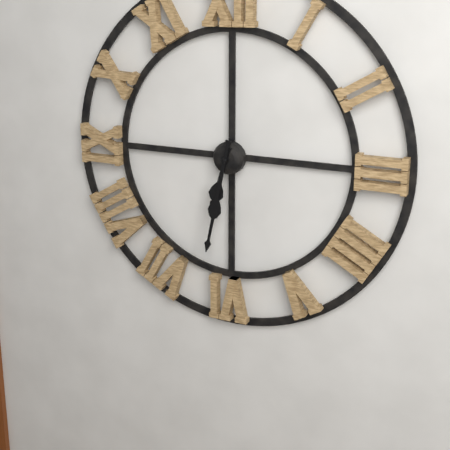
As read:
{"hour": 6, "minute": 32}
